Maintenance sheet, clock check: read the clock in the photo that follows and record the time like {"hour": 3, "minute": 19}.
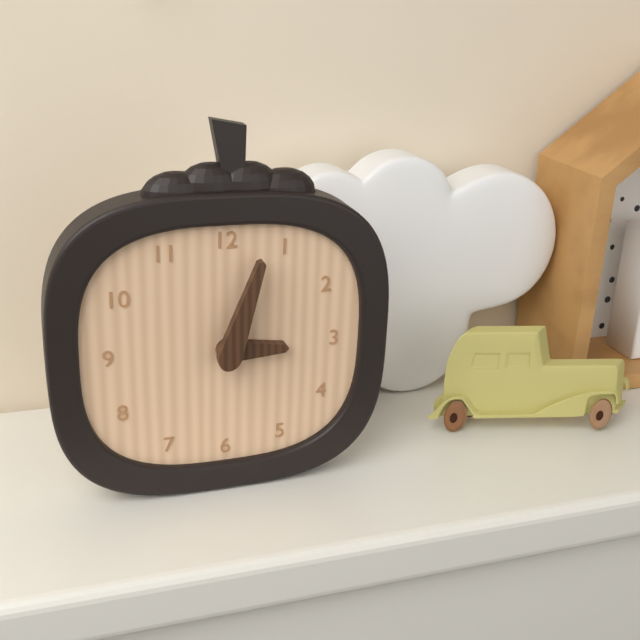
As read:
{"hour": 3, "minute": 3}
